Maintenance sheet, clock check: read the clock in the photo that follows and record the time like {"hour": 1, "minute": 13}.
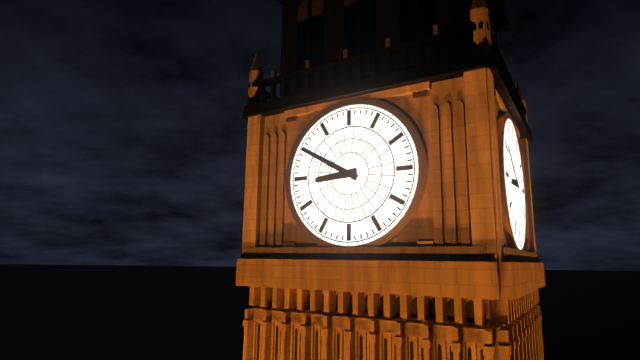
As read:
{"hour": 8, "minute": 50}
